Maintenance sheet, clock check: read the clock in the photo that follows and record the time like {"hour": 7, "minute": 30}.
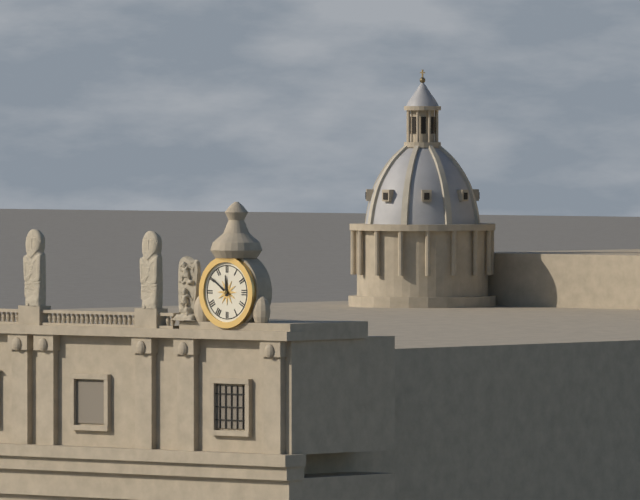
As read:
{"hour": 11, "minute": 51}
